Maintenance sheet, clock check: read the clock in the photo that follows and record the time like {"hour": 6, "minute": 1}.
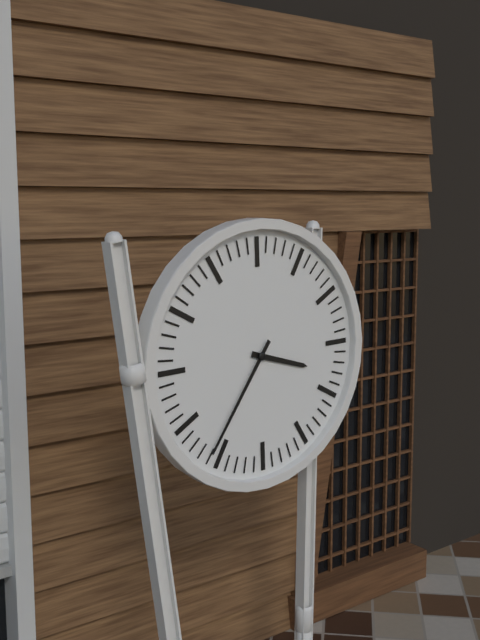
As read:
{"hour": 3, "minute": 36}
